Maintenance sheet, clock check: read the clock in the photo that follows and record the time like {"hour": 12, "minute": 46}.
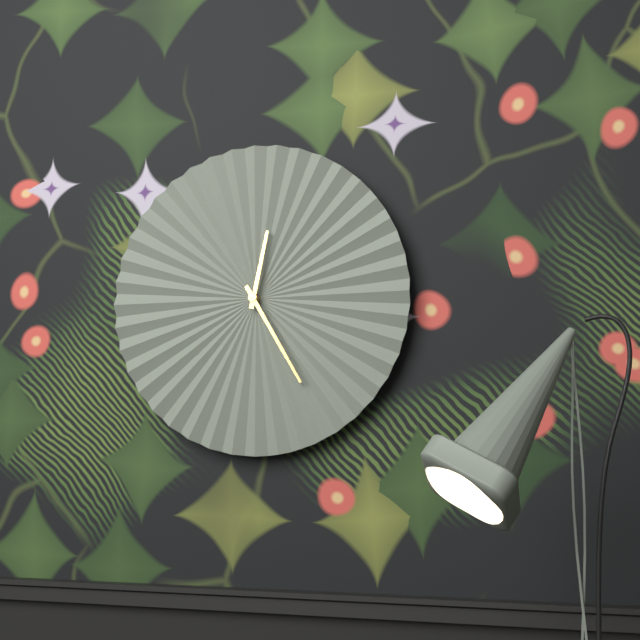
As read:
{"hour": 12, "minute": 25}
